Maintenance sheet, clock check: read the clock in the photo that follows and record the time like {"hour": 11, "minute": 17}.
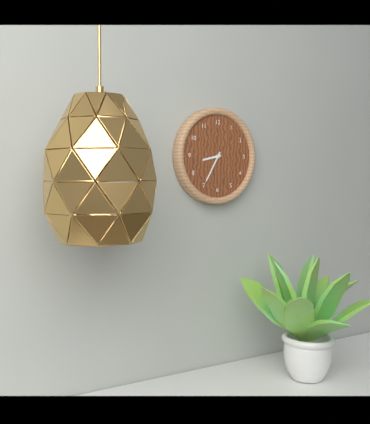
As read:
{"hour": 8, "minute": 35}
